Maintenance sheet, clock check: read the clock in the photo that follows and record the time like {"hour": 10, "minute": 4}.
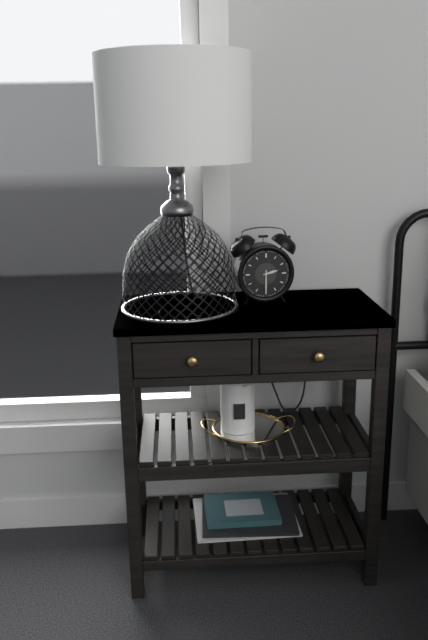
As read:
{"hour": 2, "minute": 30}
